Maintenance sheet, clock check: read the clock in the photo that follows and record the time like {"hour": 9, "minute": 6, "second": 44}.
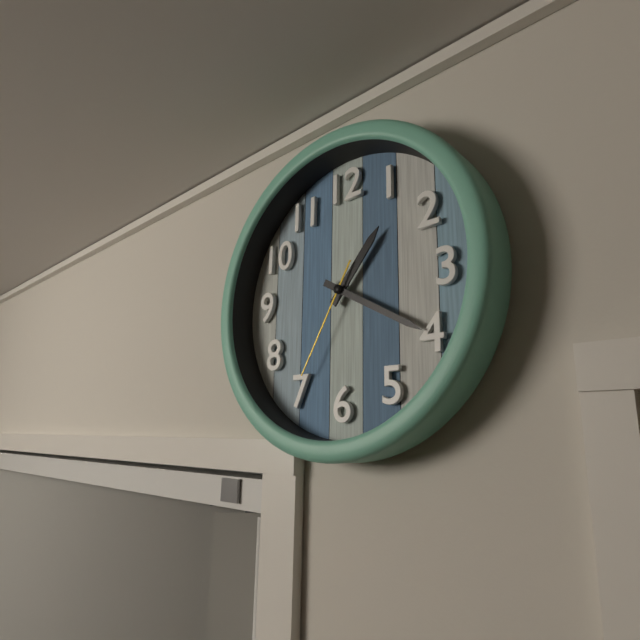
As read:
{"hour": 1, "minute": 20, "second": 35}
